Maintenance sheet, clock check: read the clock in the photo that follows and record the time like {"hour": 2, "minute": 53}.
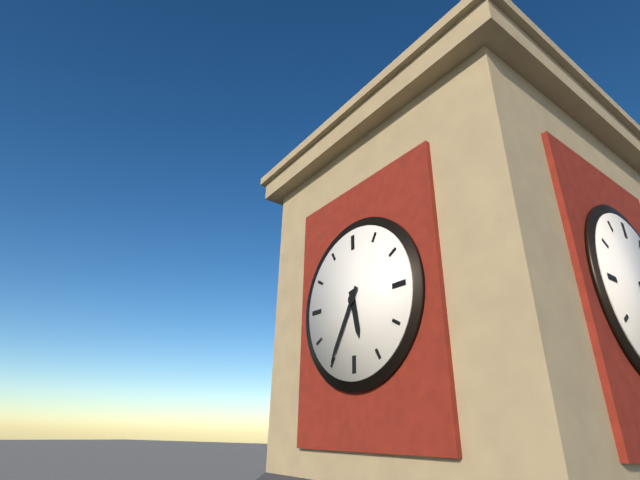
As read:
{"hour": 5, "minute": 35}
